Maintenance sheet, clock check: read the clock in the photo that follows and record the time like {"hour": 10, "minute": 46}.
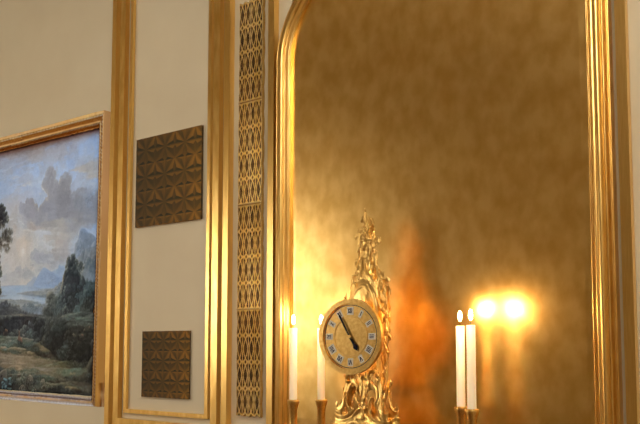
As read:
{"hour": 4, "minute": 55}
